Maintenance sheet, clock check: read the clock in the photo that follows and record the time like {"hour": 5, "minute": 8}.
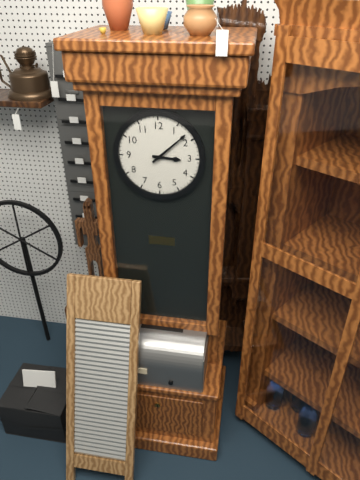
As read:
{"hour": 3, "minute": 8}
